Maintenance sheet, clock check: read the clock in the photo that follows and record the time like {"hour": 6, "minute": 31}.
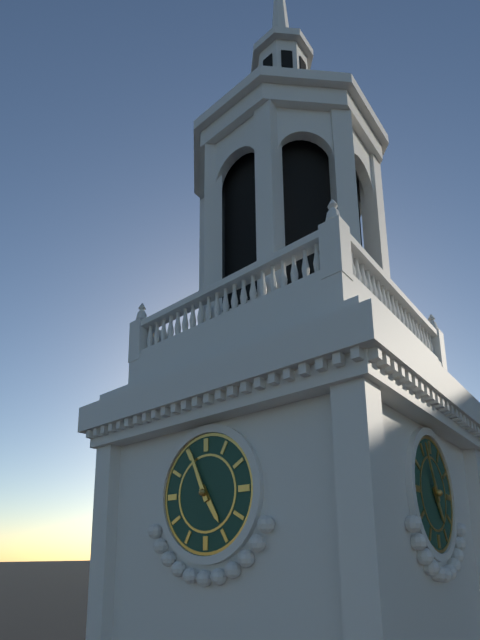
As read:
{"hour": 4, "minute": 56}
